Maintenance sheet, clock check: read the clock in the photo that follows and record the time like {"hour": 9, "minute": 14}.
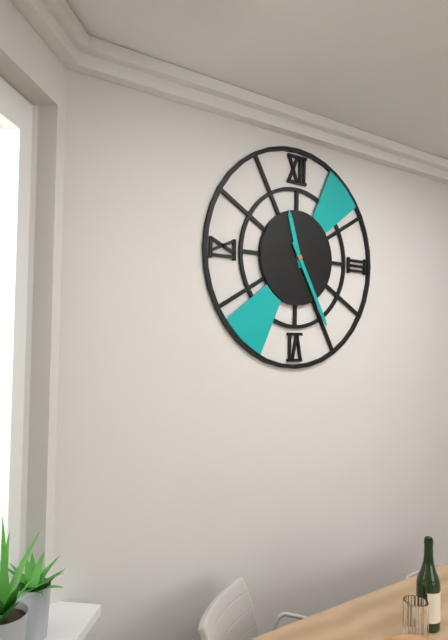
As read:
{"hour": 11, "minute": 25}
